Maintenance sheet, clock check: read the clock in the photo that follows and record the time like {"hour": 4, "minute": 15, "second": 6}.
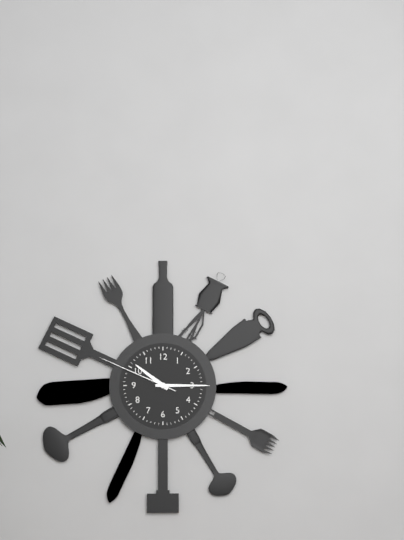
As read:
{"hour": 10, "minute": 15, "second": 49}
